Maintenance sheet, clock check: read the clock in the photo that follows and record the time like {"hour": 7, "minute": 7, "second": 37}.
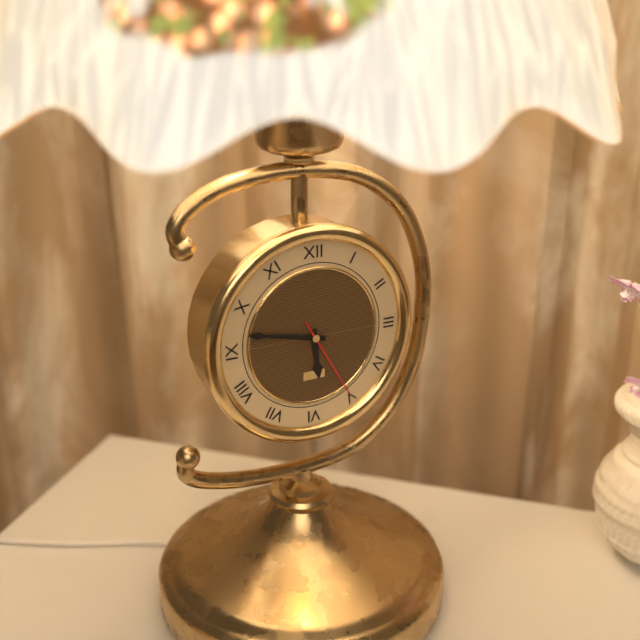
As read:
{"hour": 5, "minute": 47, "second": 25}
